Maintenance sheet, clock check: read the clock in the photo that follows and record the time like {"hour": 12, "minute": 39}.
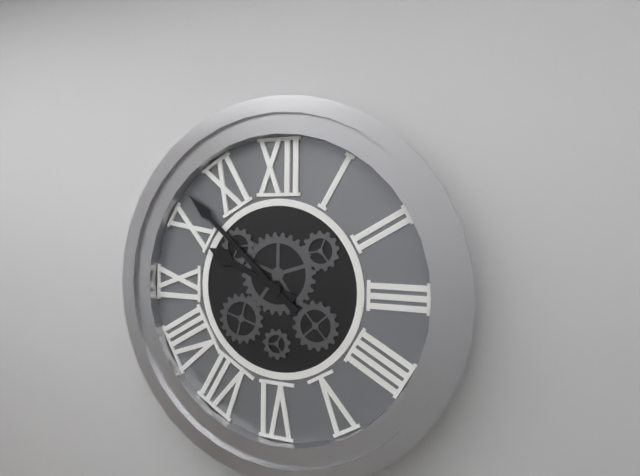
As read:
{"hour": 9, "minute": 52}
